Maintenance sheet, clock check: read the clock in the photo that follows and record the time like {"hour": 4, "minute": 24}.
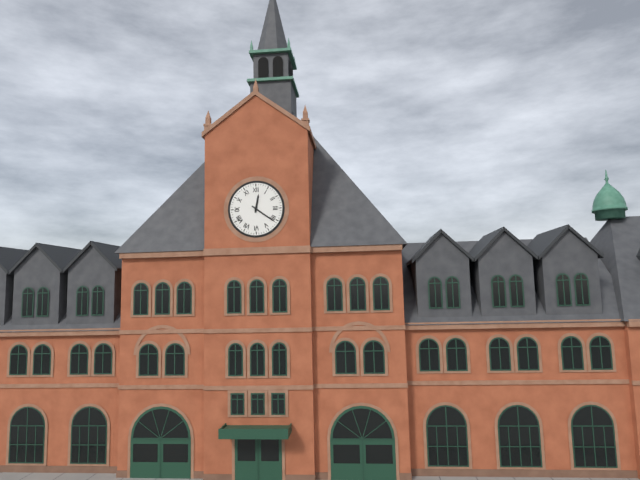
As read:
{"hour": 12, "minute": 21}
